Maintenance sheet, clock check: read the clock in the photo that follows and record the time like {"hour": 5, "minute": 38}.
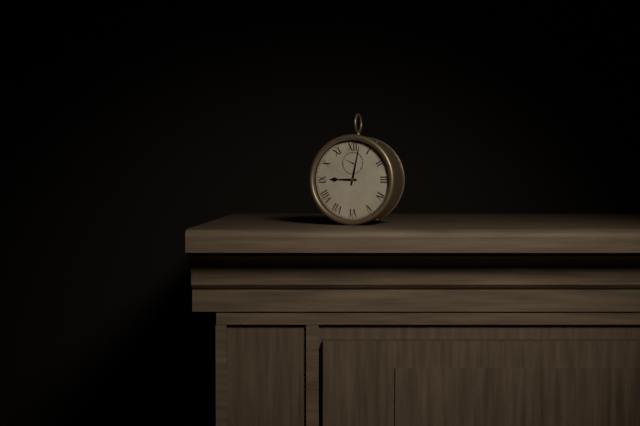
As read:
{"hour": 9, "minute": 2}
